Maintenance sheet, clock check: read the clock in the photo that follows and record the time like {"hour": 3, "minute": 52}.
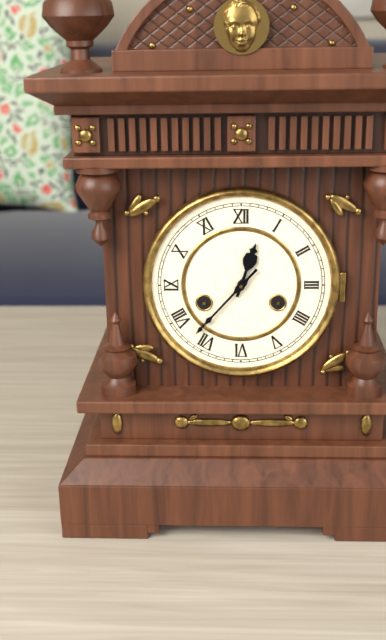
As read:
{"hour": 12, "minute": 37}
